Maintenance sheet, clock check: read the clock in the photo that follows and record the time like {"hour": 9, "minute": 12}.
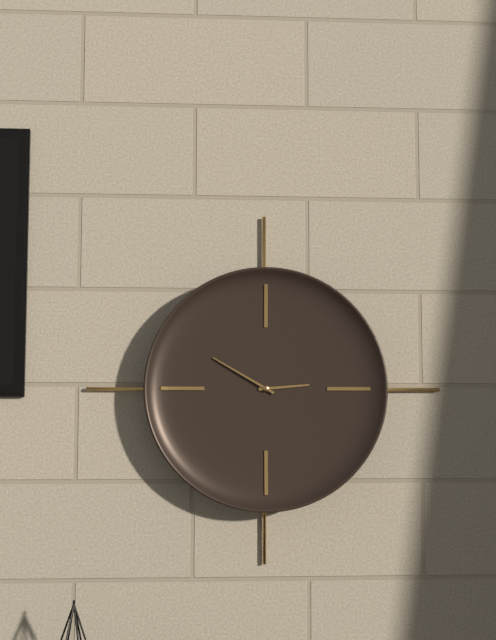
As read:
{"hour": 2, "minute": 50}
